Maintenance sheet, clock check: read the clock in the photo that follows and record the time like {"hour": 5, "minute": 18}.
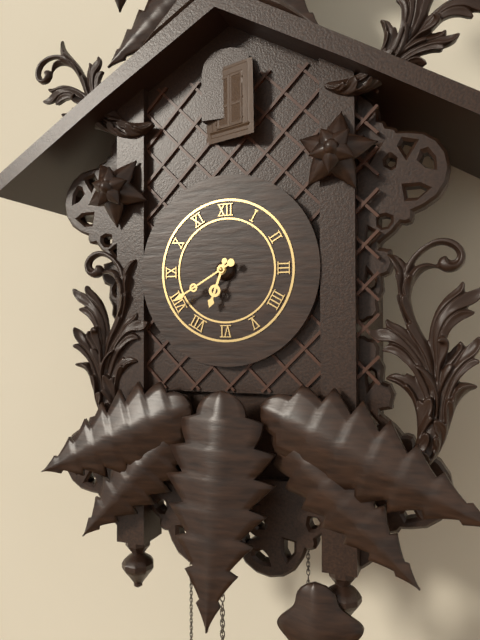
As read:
{"hour": 6, "minute": 40}
